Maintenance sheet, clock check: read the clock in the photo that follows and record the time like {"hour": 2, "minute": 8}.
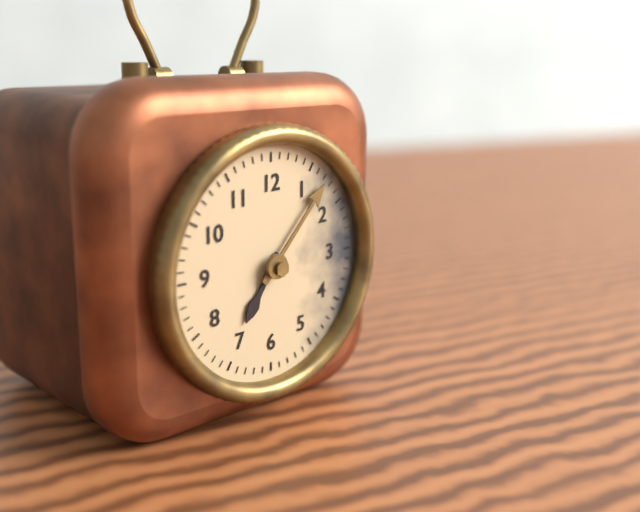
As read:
{"hour": 7, "minute": 7}
